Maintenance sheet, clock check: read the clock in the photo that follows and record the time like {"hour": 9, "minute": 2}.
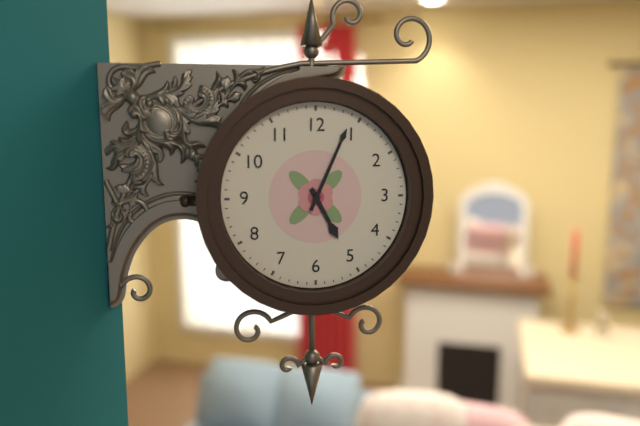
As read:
{"hour": 5, "minute": 4}
